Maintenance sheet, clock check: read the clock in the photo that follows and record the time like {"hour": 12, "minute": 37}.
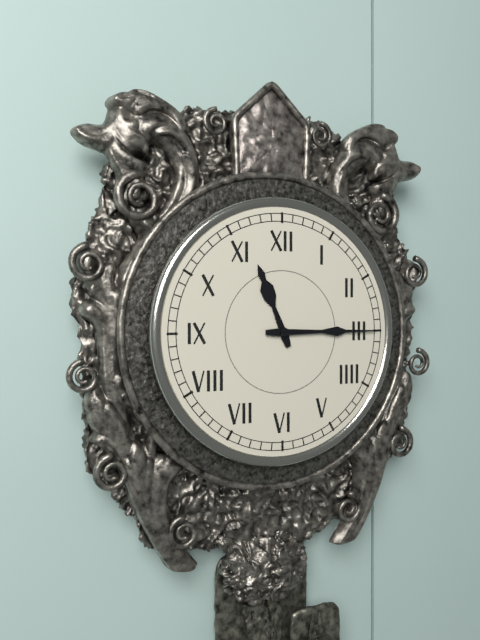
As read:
{"hour": 11, "minute": 15}
